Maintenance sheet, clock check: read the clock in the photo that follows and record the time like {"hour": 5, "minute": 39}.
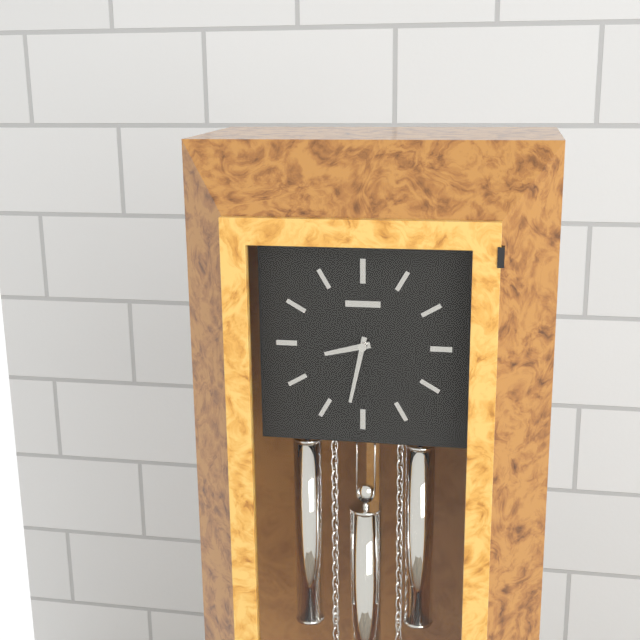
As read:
{"hour": 8, "minute": 32}
